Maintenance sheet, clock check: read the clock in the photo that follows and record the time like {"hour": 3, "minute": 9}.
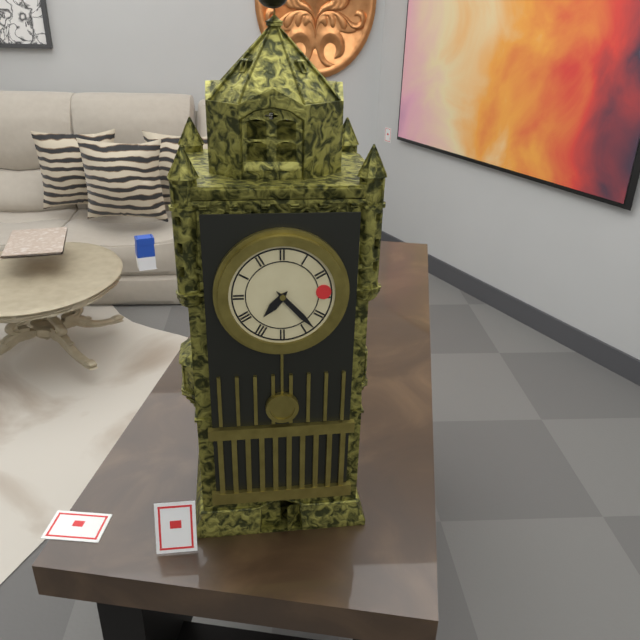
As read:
{"hour": 7, "minute": 23}
